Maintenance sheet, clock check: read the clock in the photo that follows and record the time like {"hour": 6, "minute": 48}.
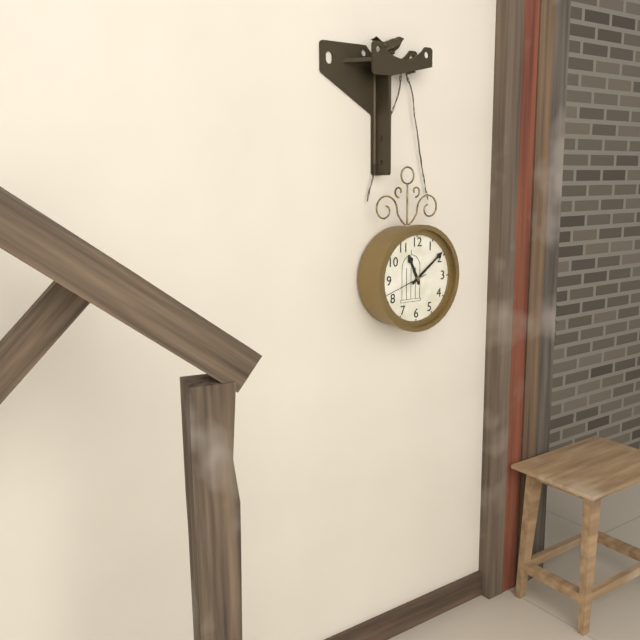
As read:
{"hour": 11, "minute": 9}
